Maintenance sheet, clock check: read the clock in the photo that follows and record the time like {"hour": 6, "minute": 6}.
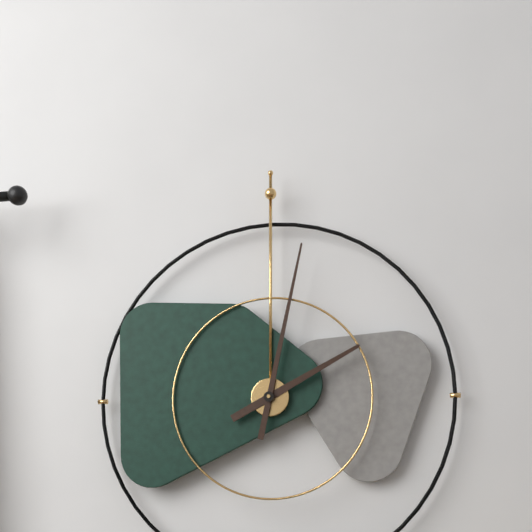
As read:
{"hour": 2, "minute": 2}
